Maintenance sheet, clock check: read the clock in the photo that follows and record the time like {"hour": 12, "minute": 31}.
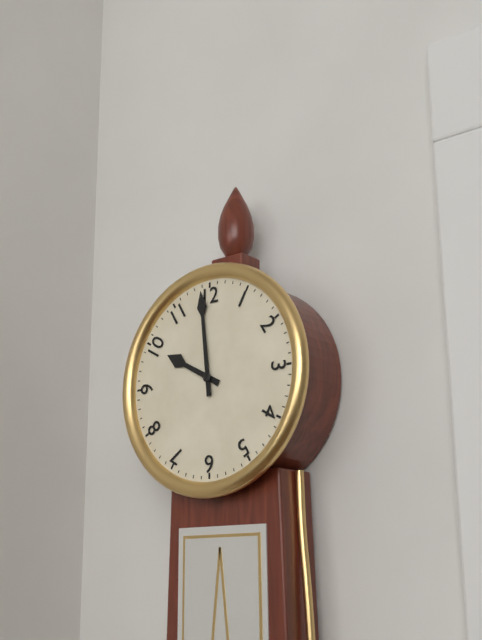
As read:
{"hour": 9, "minute": 59}
